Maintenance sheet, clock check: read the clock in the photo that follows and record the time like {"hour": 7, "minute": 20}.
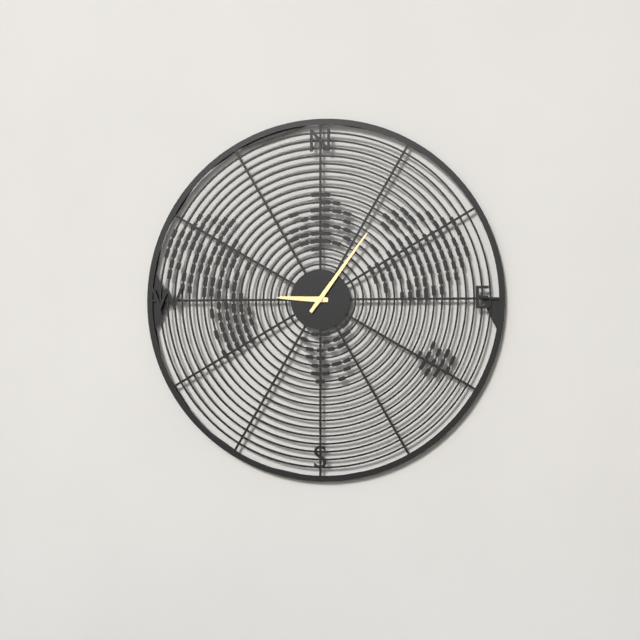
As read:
{"hour": 9, "minute": 6}
